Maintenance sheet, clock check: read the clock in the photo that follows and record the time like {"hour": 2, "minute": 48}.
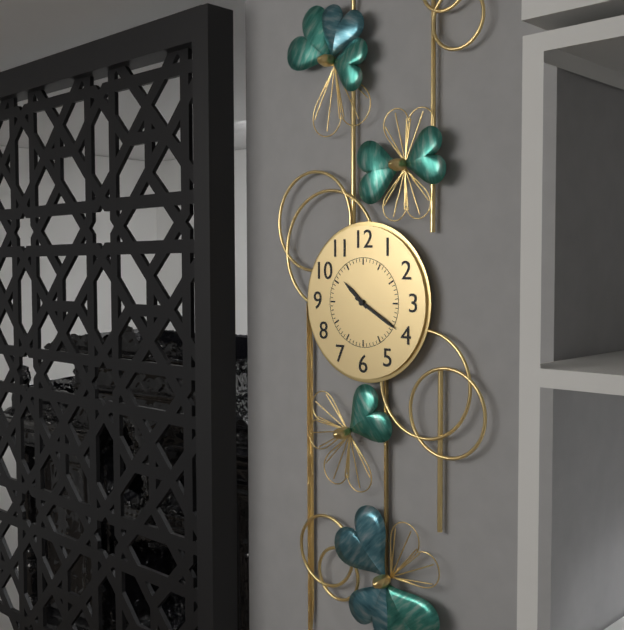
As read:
{"hour": 10, "minute": 20}
